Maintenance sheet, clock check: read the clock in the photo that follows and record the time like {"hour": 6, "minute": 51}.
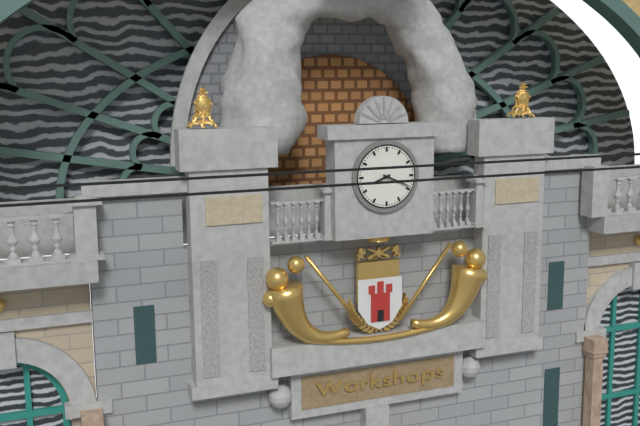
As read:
{"hour": 8, "minute": 19}
